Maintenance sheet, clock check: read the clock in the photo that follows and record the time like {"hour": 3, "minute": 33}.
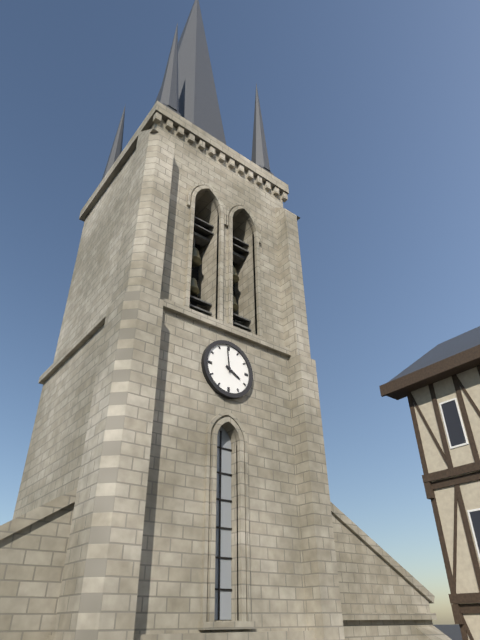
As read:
{"hour": 3, "minute": 59}
